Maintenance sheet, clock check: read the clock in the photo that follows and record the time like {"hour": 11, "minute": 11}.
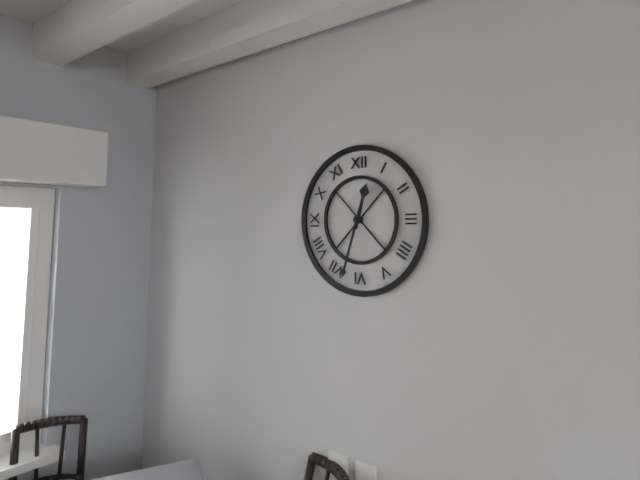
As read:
{"hour": 12, "minute": 33}
